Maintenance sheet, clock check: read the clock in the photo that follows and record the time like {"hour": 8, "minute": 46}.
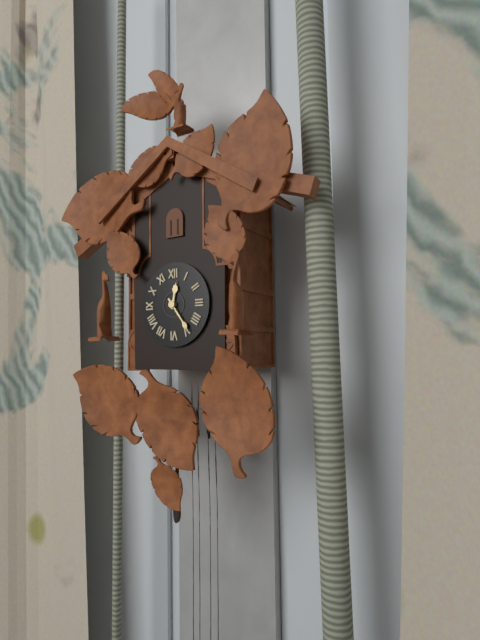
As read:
{"hour": 12, "minute": 24}
